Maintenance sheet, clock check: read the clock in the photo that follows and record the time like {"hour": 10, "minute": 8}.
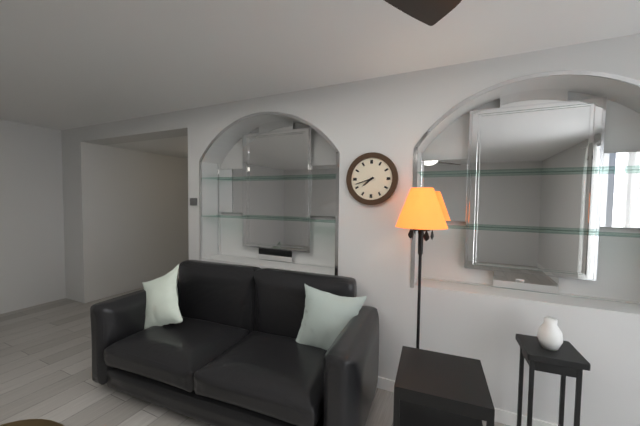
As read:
{"hour": 7, "minute": 42}
